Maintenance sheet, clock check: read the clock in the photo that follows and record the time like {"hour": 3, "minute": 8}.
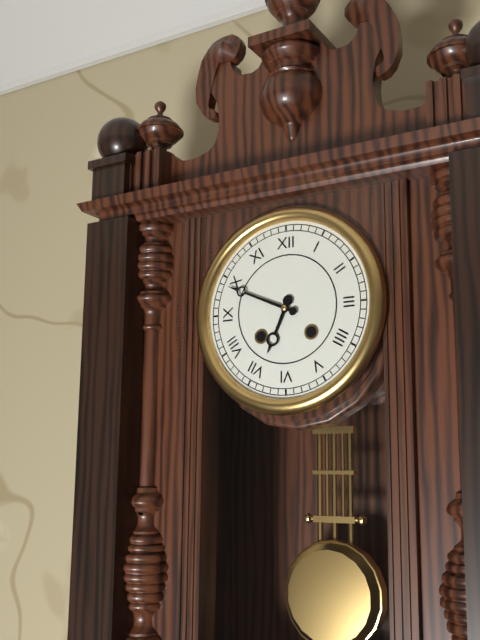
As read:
{"hour": 6, "minute": 49}
